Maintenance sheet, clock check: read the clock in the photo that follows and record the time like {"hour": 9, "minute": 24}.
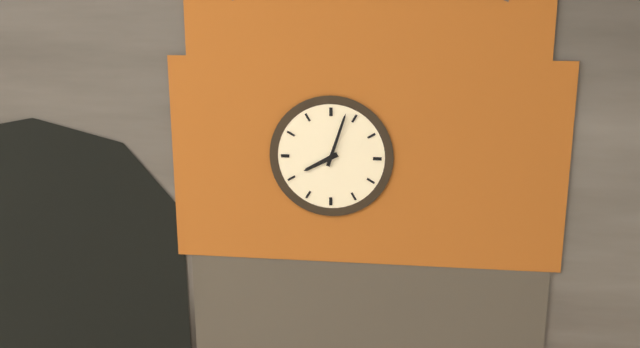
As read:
{"hour": 8, "minute": 3}
